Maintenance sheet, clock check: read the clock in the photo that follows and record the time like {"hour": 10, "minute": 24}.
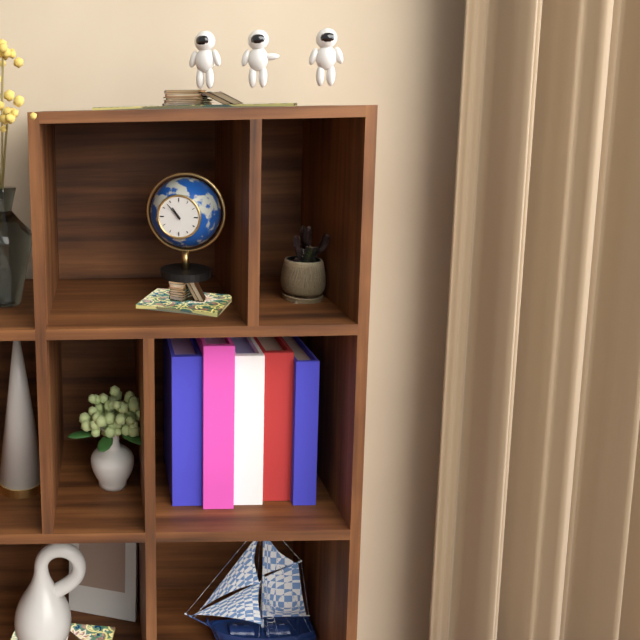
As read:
{"hour": 10, "minute": 53}
